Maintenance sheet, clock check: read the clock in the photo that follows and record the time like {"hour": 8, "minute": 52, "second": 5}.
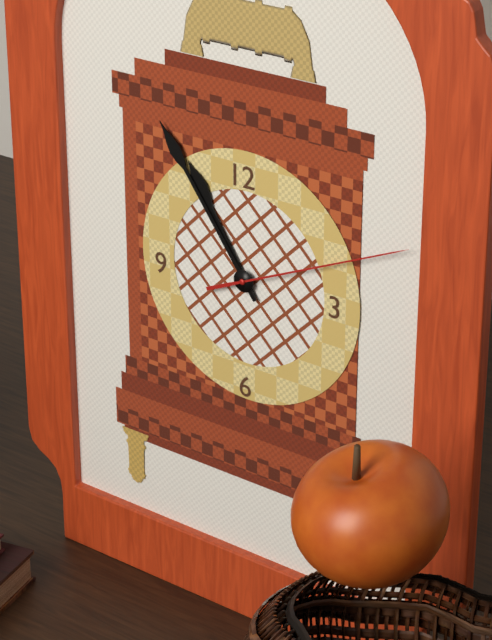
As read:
{"hour": 10, "minute": 54, "second": 11}
